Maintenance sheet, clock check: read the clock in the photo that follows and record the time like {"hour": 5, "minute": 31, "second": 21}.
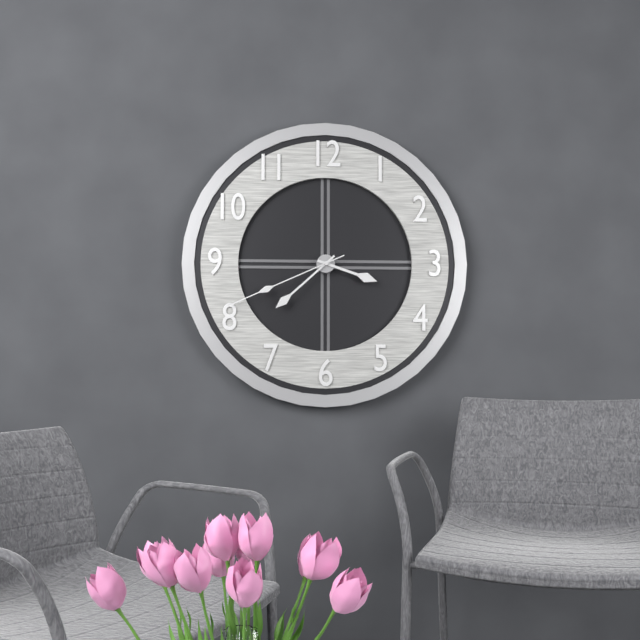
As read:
{"hour": 3, "minute": 38, "second": 41}
